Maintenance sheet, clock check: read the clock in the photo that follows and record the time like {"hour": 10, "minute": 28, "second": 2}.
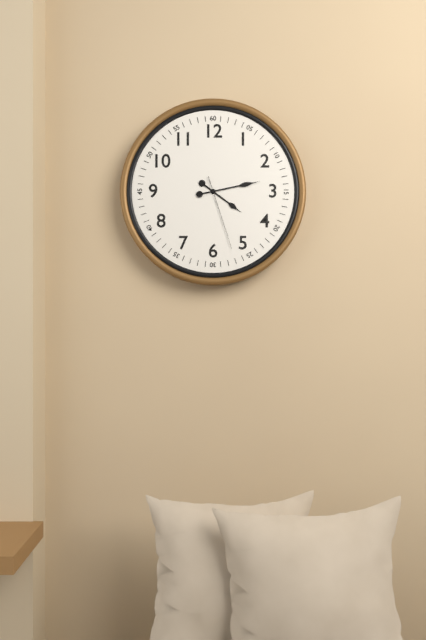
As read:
{"hour": 4, "minute": 13, "second": 27}
